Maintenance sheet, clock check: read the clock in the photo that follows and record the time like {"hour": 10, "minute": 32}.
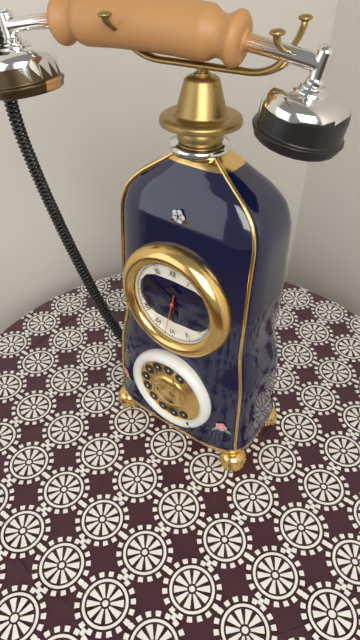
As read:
{"hour": 5, "minute": 50}
